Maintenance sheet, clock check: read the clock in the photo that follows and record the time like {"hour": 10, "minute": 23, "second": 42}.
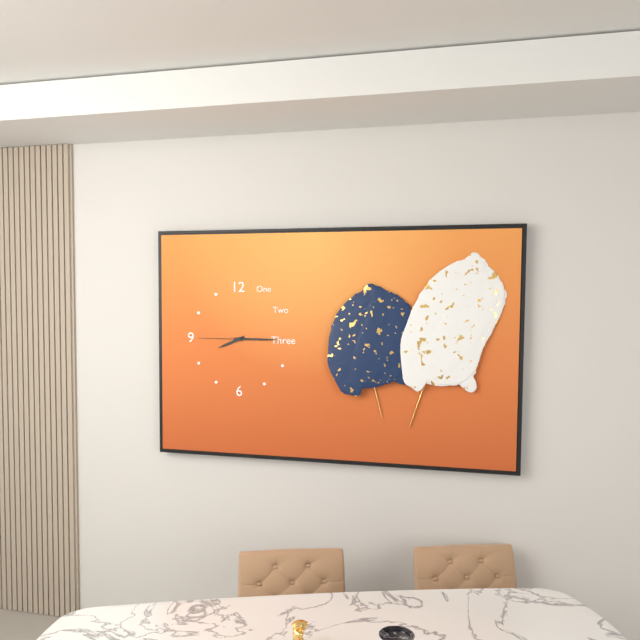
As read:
{"hour": 8, "minute": 15, "second": 45}
